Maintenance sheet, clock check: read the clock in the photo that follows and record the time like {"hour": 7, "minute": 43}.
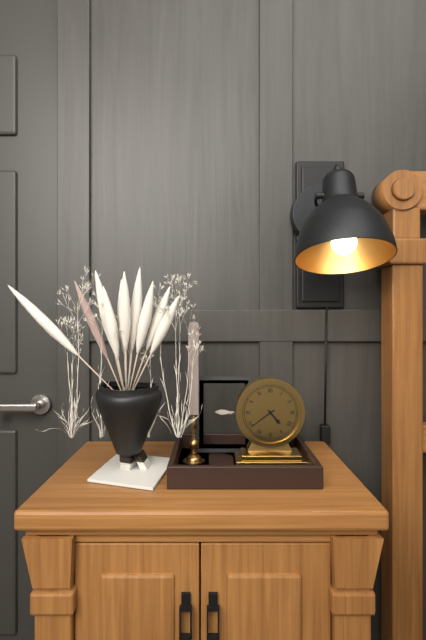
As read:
{"hour": 4, "minute": 39}
